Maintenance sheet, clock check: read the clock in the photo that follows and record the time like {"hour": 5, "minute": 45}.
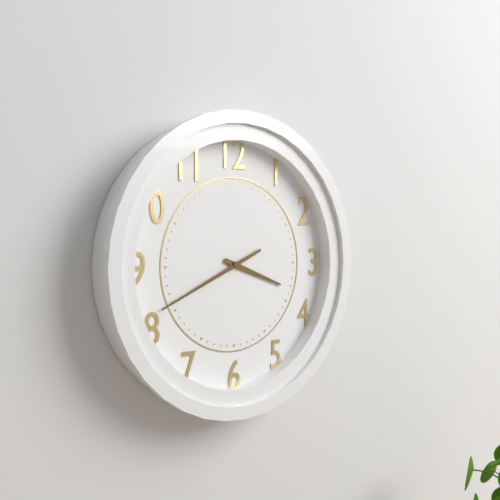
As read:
{"hour": 3, "minute": 41}
